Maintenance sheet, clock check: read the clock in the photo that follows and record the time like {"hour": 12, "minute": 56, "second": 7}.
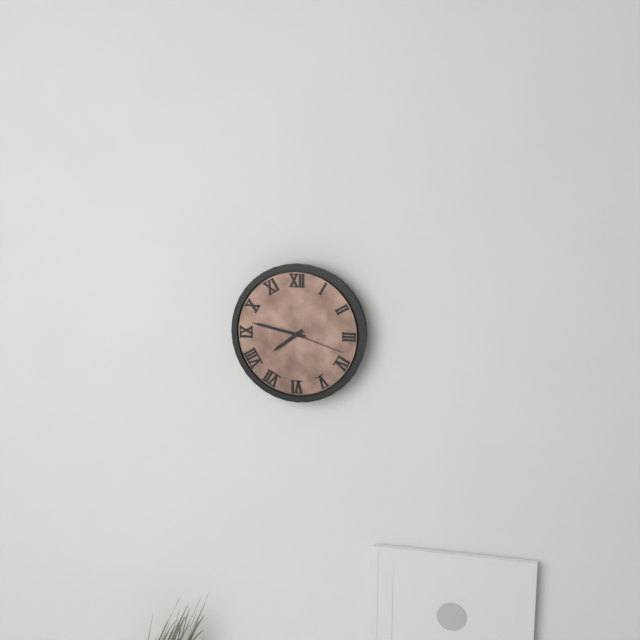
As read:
{"hour": 7, "minute": 47, "second": 18}
